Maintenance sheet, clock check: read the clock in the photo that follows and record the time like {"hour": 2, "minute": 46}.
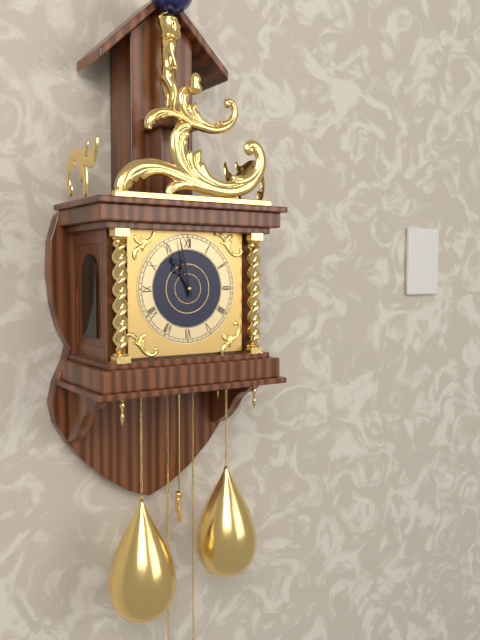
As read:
{"hour": 10, "minute": 58}
